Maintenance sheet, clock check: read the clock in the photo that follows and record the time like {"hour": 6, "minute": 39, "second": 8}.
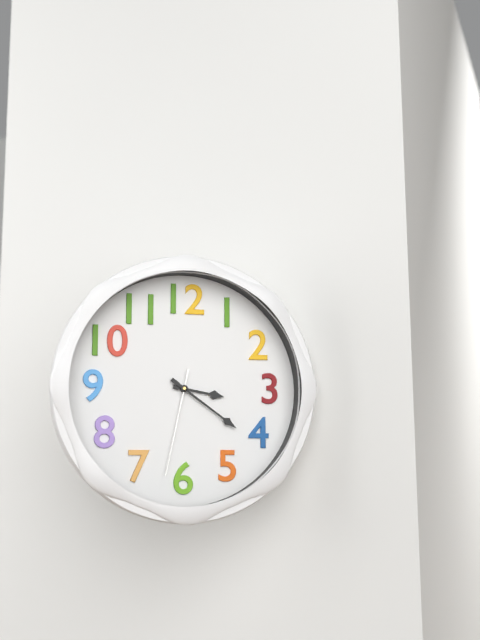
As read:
{"hour": 3, "minute": 21, "second": 32}
